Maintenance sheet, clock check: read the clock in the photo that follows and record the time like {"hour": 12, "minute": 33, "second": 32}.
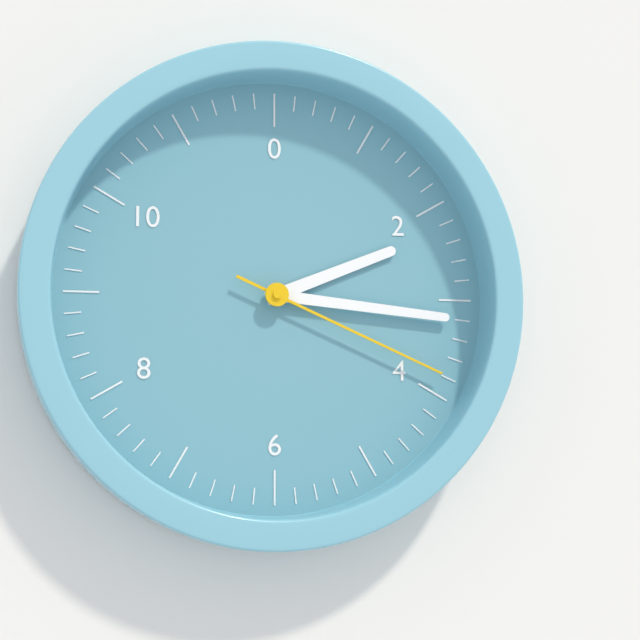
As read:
{"hour": 2, "minute": 16, "second": 19}
